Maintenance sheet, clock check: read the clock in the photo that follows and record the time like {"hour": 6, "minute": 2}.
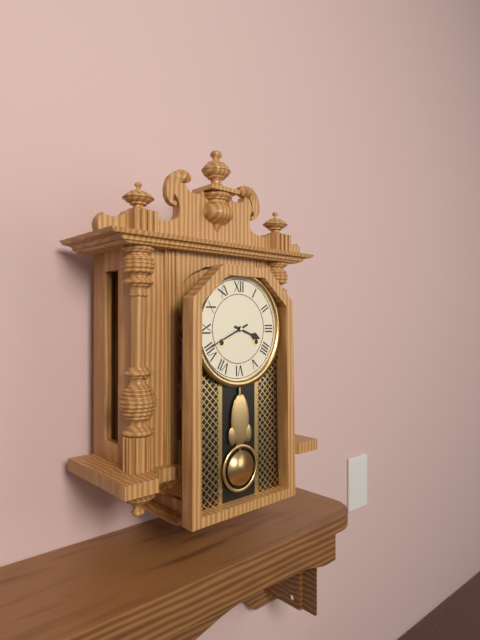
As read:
{"hour": 3, "minute": 41}
